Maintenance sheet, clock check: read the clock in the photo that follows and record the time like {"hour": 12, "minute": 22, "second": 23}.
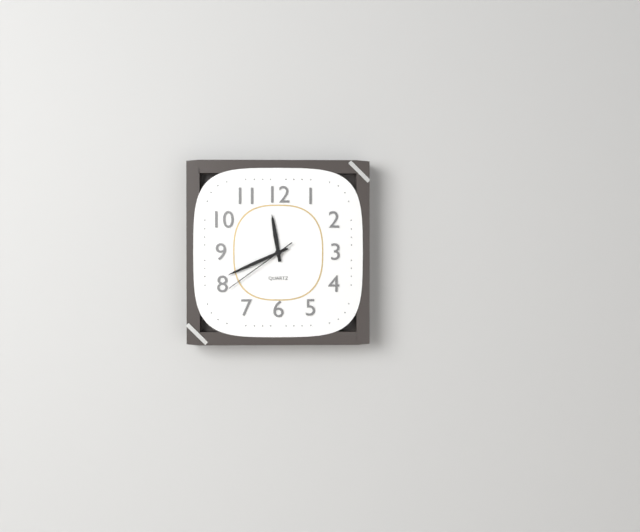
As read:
{"hour": 11, "minute": 41, "second": 39}
